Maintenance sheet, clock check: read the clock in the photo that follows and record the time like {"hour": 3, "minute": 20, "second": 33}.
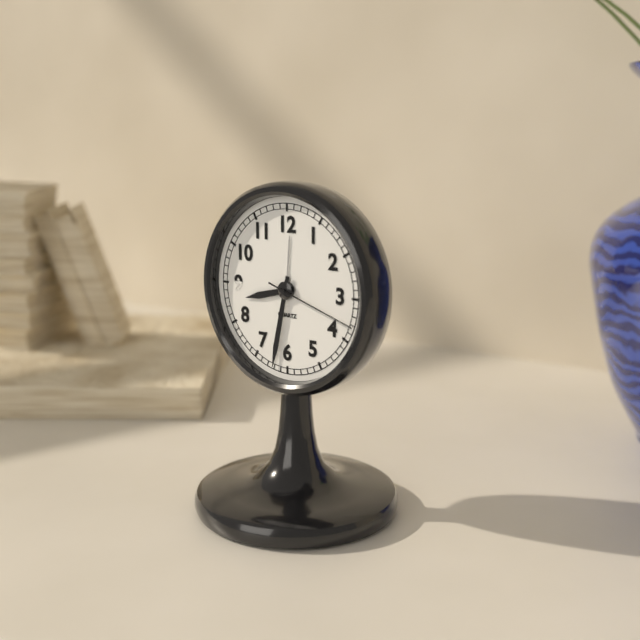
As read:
{"hour": 8, "minute": 32, "second": 18}
